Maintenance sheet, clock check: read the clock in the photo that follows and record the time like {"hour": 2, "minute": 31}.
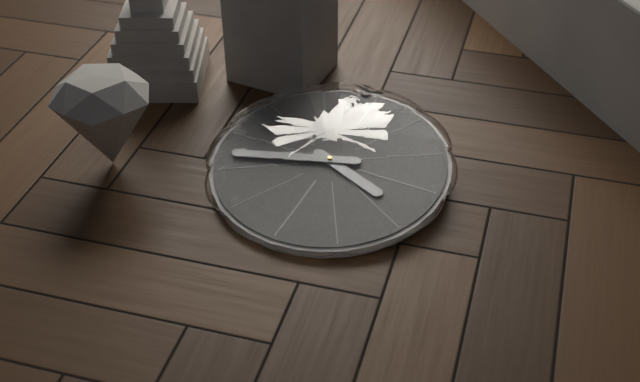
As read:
{"hour": 3, "minute": 42}
